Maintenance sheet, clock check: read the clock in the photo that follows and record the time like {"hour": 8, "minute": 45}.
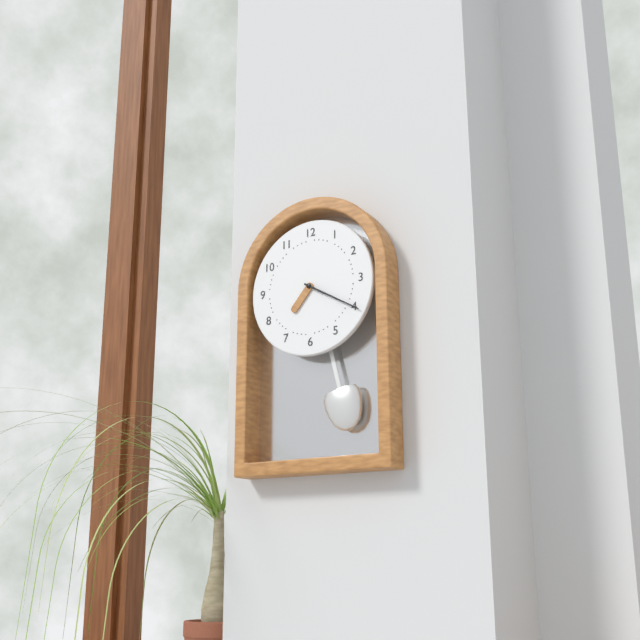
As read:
{"hour": 7, "minute": 20}
